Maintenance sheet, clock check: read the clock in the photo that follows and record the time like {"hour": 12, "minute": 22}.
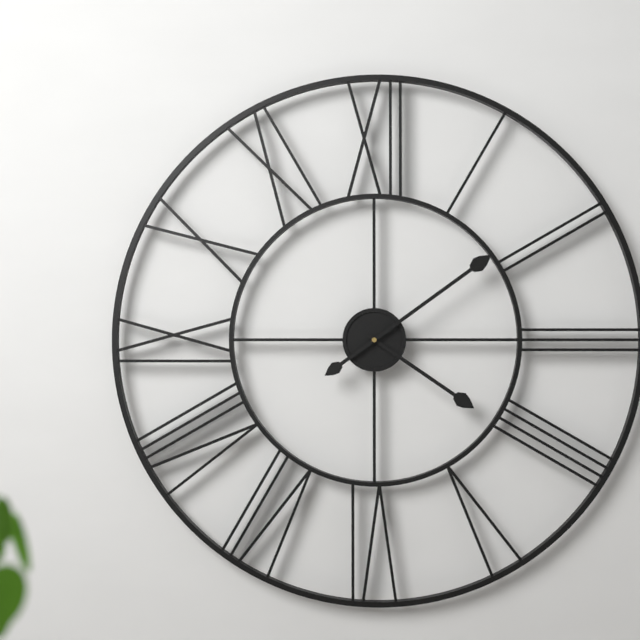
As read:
{"hour": 4, "minute": 9}
